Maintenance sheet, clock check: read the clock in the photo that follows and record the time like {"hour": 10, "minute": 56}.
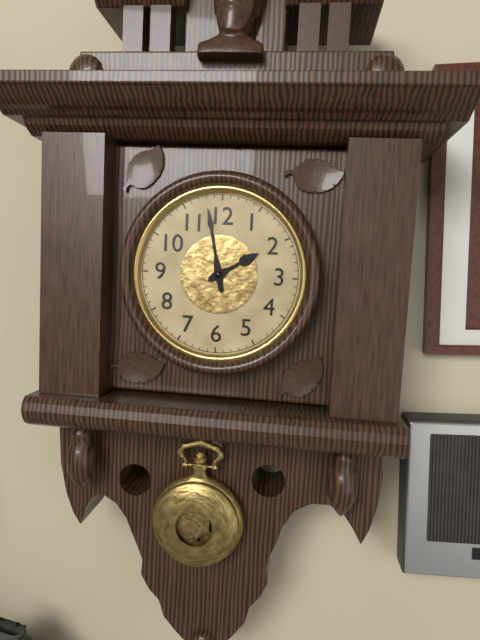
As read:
{"hour": 1, "minute": 58}
